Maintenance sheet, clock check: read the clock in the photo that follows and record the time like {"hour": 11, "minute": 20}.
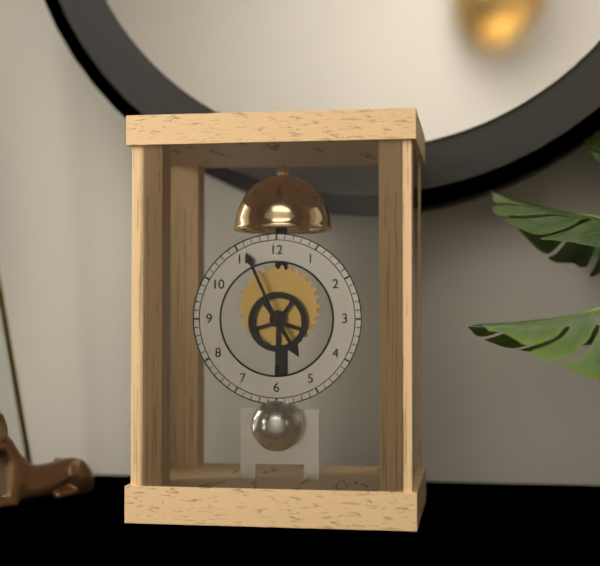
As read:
{"hour": 4, "minute": 56}
